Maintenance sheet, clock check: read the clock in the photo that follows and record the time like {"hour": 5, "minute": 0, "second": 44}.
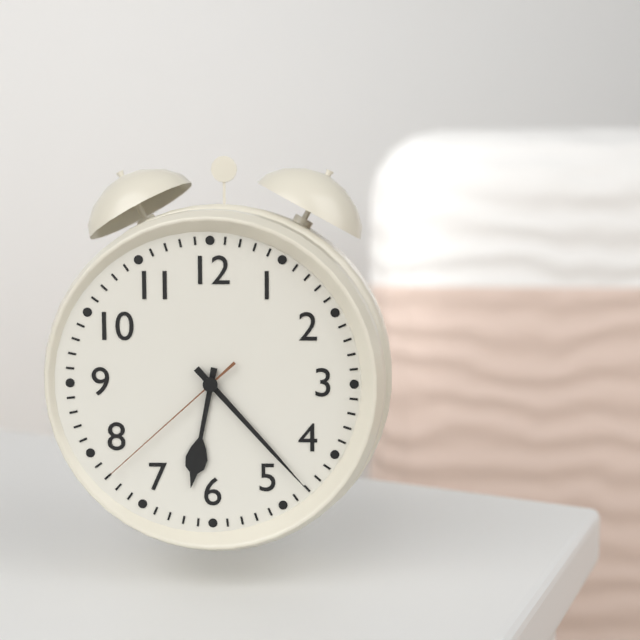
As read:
{"hour": 6, "minute": 23, "second": 38}
